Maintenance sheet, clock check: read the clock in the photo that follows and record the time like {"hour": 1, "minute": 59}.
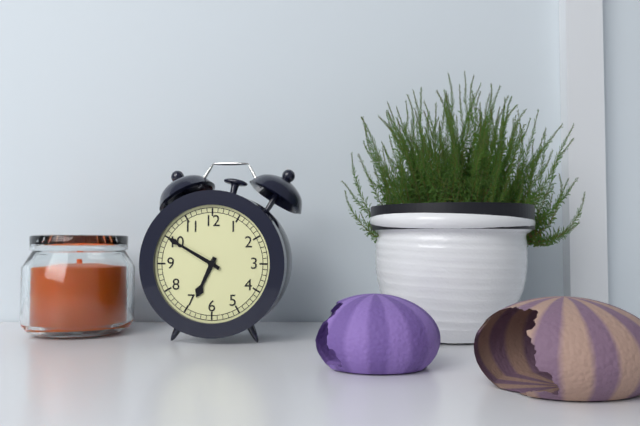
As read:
{"hour": 6, "minute": 50}
